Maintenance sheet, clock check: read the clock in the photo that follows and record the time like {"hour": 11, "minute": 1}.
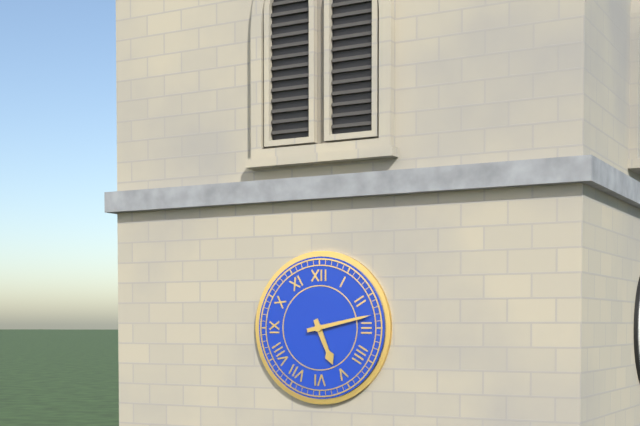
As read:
{"hour": 5, "minute": 13}
